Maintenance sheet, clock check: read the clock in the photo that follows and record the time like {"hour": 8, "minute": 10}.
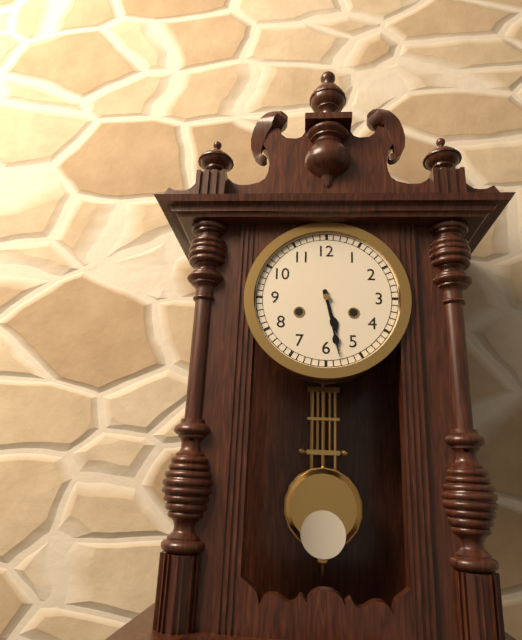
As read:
{"hour": 5, "minute": 28}
